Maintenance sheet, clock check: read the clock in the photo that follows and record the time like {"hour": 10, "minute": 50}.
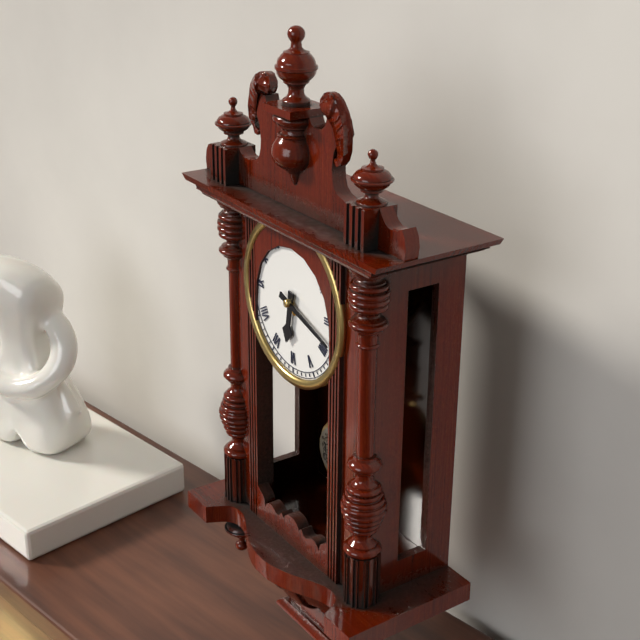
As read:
{"hour": 6, "minute": 18}
